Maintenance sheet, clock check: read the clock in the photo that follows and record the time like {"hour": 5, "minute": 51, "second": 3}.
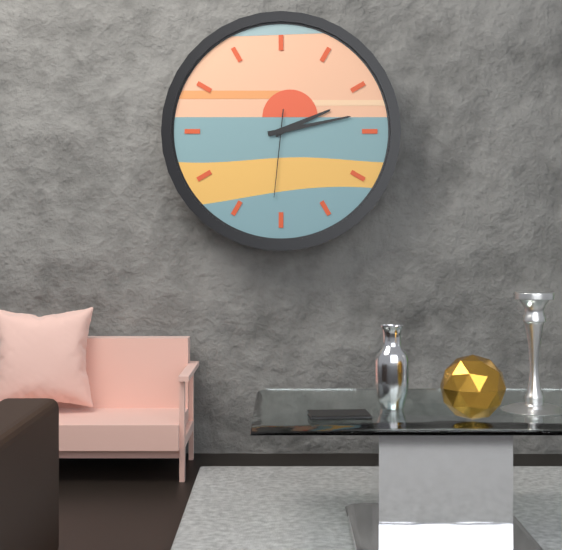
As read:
{"hour": 2, "minute": 13, "second": 31}
